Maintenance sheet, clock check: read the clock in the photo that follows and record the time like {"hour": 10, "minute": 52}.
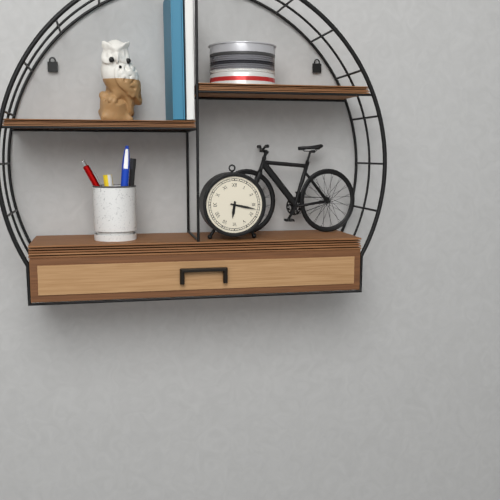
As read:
{"hour": 6, "minute": 17}
